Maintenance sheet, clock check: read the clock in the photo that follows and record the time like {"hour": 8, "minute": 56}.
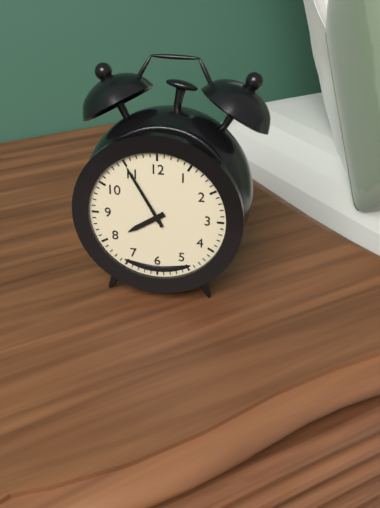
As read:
{"hour": 7, "minute": 55}
